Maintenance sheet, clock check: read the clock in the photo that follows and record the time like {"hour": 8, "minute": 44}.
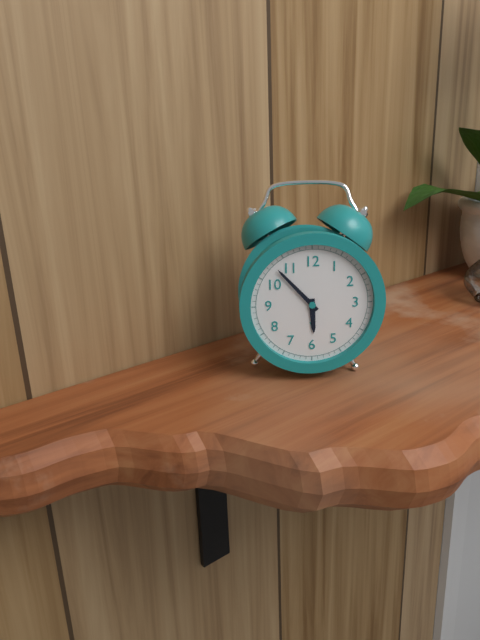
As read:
{"hour": 5, "minute": 53}
